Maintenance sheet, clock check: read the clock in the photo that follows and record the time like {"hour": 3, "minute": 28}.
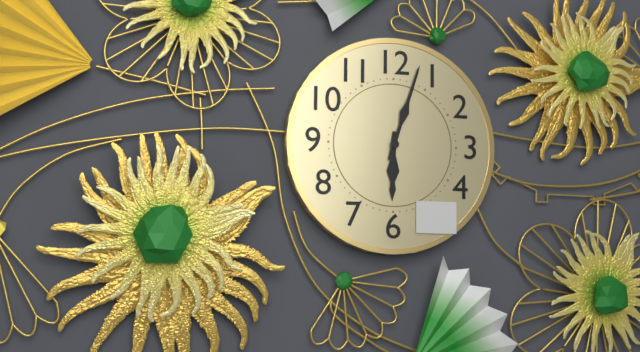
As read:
{"hour": 6, "minute": 3}
